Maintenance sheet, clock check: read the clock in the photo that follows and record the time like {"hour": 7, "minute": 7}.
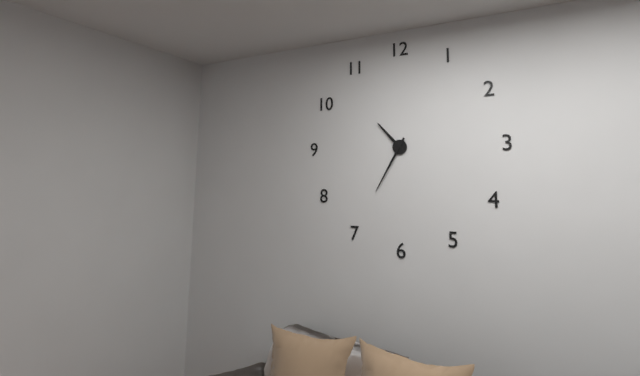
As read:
{"hour": 10, "minute": 35}
